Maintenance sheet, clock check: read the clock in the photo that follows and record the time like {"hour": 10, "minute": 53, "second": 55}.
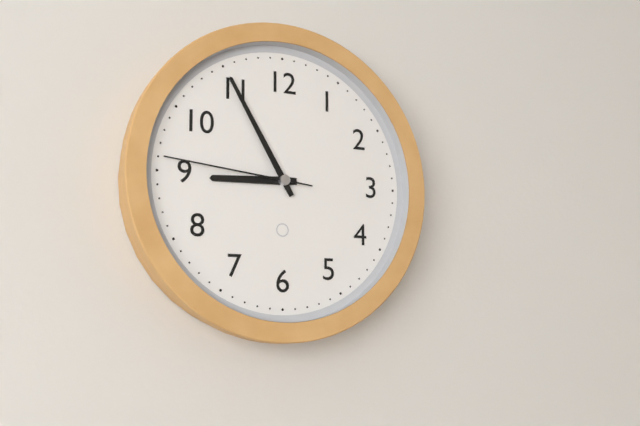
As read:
{"hour": 8, "minute": 55, "second": 46}
